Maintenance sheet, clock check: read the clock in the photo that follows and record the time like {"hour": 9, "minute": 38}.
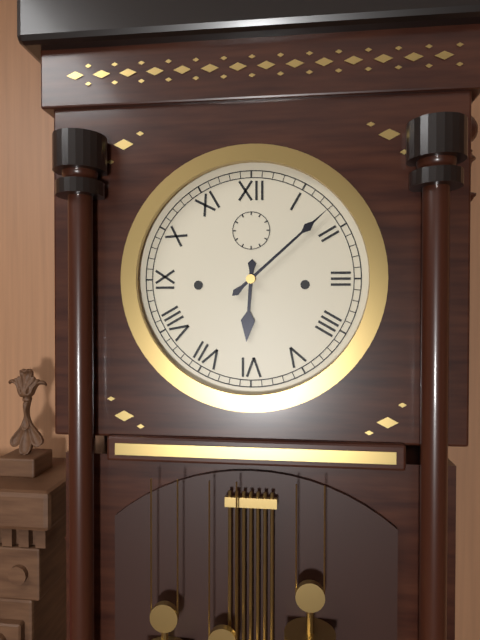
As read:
{"hour": 6, "minute": 8}
